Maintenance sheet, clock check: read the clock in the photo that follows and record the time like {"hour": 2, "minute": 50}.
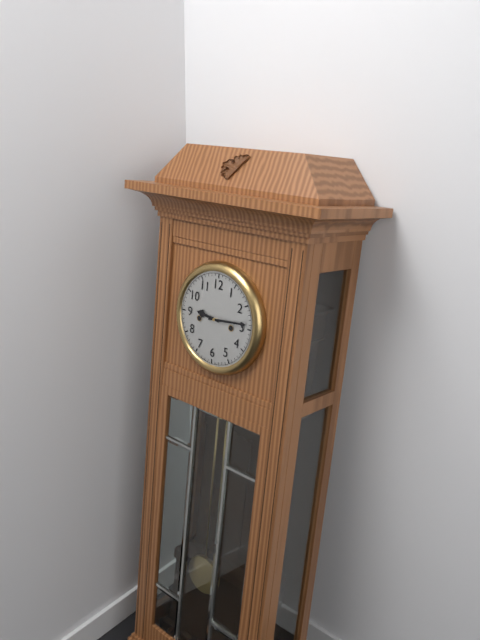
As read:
{"hour": 9, "minute": 14}
